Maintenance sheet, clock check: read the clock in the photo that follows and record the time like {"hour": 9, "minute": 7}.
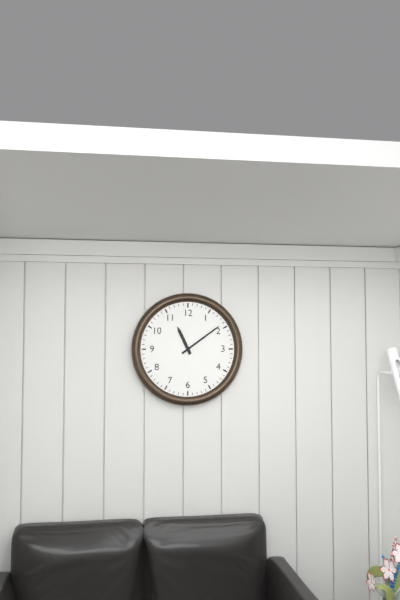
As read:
{"hour": 11, "minute": 9}
